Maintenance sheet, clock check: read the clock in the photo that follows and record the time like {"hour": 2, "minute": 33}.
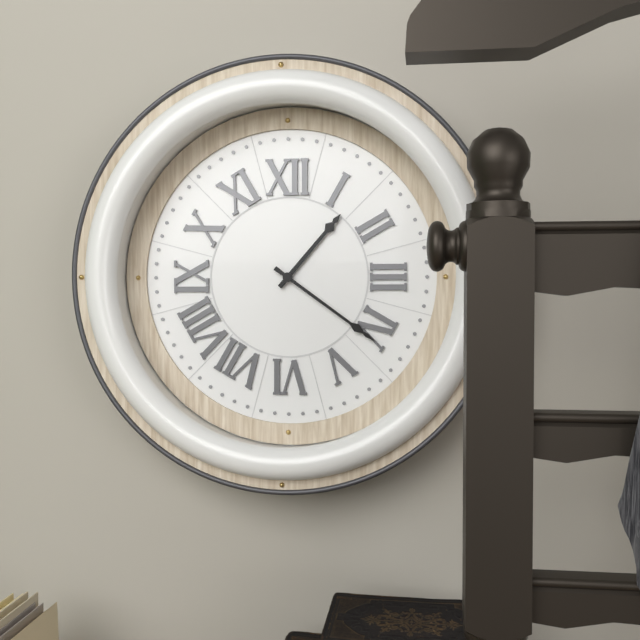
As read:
{"hour": 1, "minute": 21}
